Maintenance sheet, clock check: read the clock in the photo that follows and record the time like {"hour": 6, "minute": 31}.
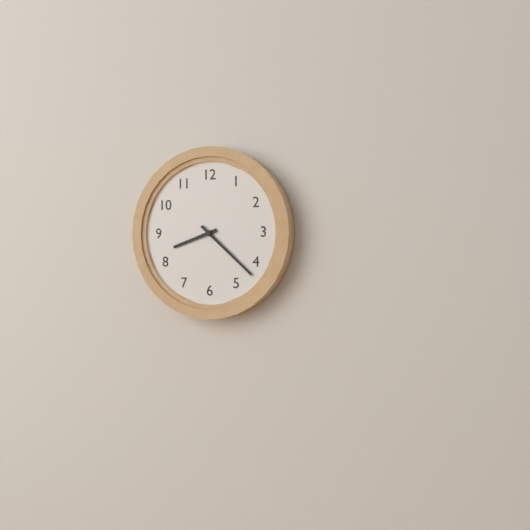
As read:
{"hour": 8, "minute": 22}
